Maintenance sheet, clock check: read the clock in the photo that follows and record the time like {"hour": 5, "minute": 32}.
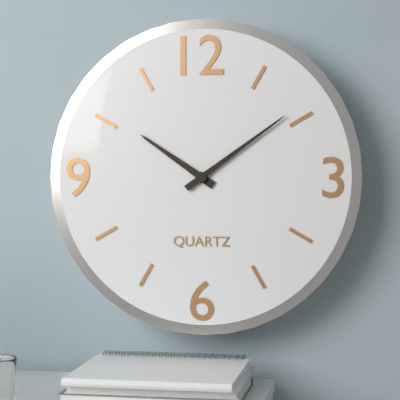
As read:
{"hour": 10, "minute": 9}
